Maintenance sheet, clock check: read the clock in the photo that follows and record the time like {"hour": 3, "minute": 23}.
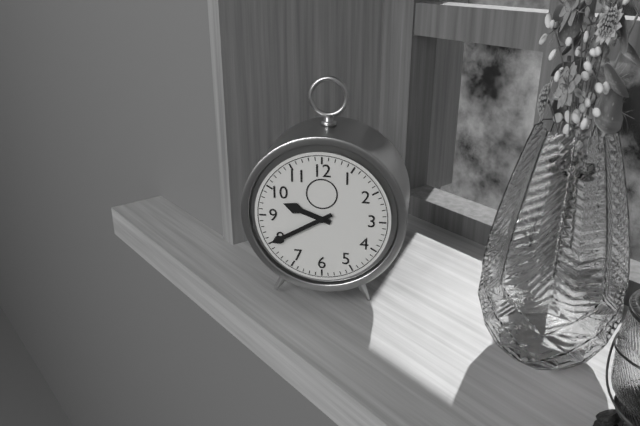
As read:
{"hour": 9, "minute": 40}
